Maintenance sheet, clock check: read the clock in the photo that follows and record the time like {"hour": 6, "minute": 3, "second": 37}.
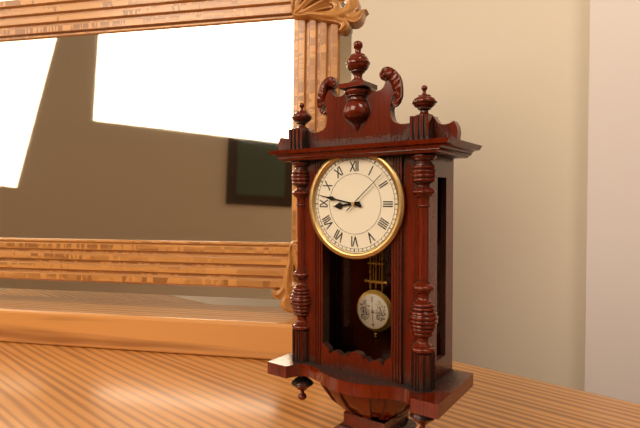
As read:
{"hour": 8, "minute": 47, "second": 8}
